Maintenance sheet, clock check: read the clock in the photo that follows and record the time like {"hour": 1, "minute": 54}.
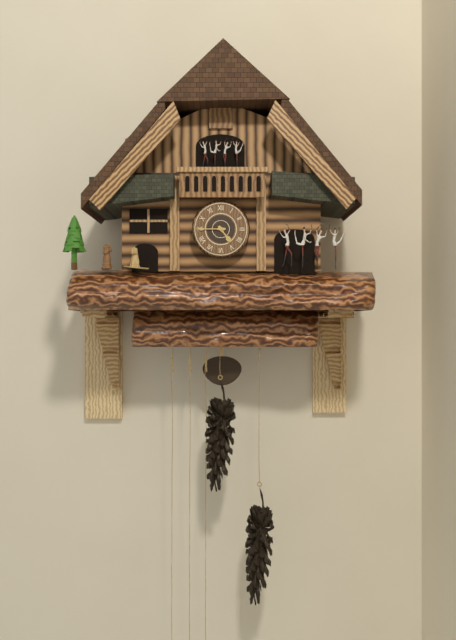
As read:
{"hour": 4, "minute": 45}
